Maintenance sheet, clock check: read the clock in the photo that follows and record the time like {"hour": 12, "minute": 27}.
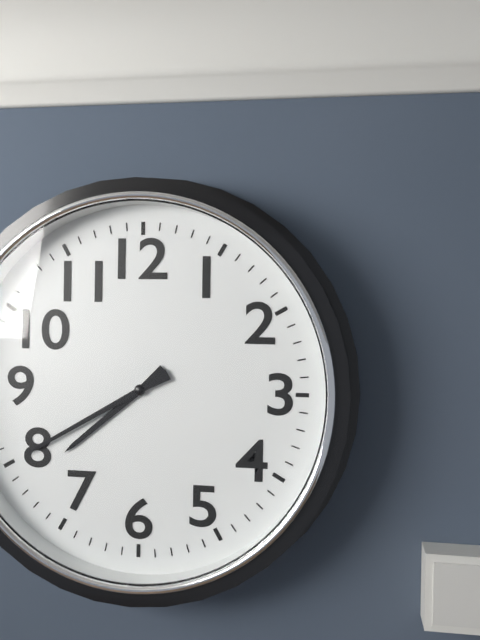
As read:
{"hour": 7, "minute": 40}
